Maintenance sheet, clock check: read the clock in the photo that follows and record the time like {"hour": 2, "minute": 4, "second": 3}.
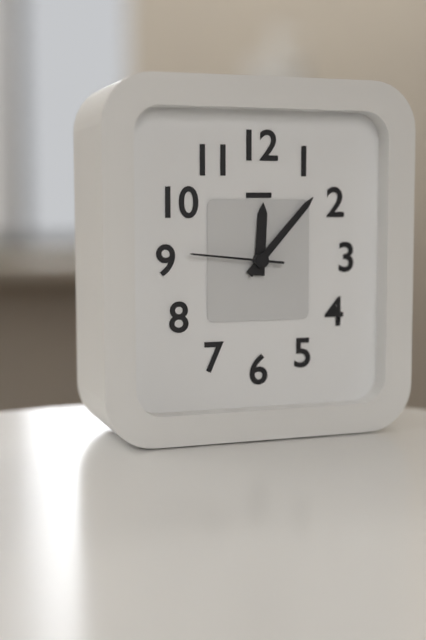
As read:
{"hour": 12, "minute": 7, "second": 46}
